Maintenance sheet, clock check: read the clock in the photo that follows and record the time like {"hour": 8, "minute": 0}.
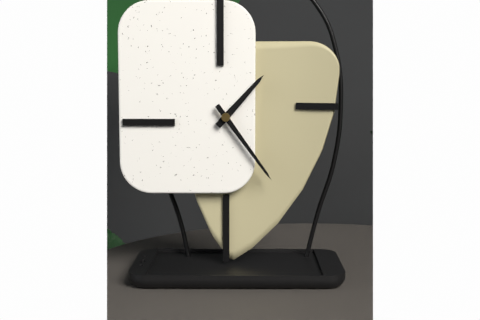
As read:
{"hour": 1, "minute": 24}
